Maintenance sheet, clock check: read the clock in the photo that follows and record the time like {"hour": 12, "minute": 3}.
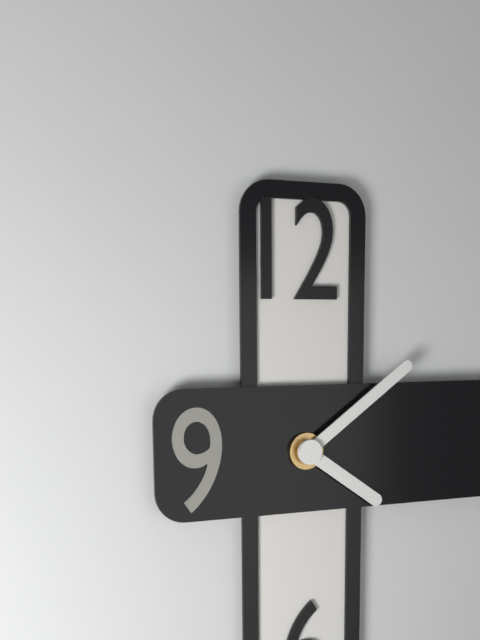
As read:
{"hour": 4, "minute": 9}
